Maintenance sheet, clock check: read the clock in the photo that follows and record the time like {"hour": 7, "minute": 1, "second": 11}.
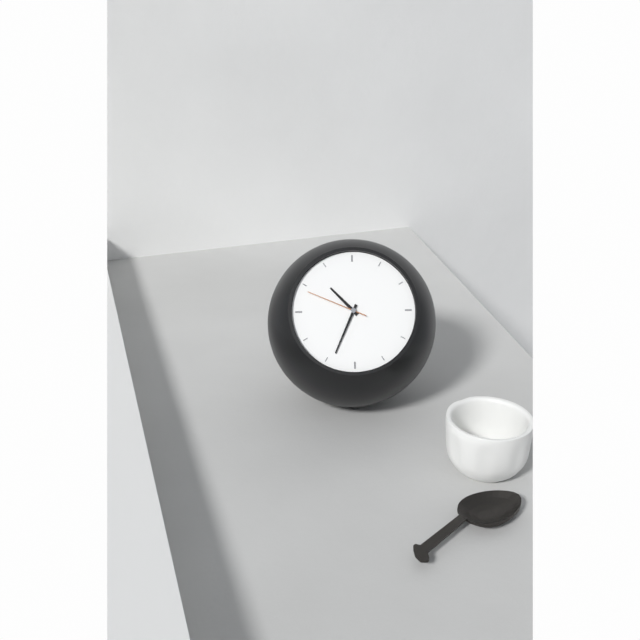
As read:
{"hour": 10, "minute": 34, "second": 49}
